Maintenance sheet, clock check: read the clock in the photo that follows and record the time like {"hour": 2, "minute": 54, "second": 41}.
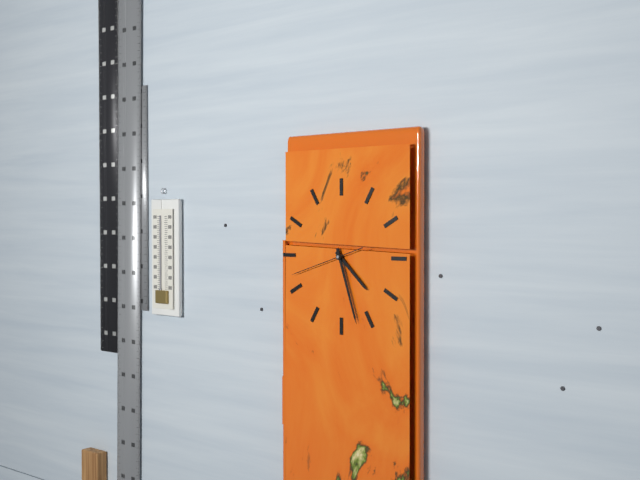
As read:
{"hour": 4, "minute": 27, "second": 42}
